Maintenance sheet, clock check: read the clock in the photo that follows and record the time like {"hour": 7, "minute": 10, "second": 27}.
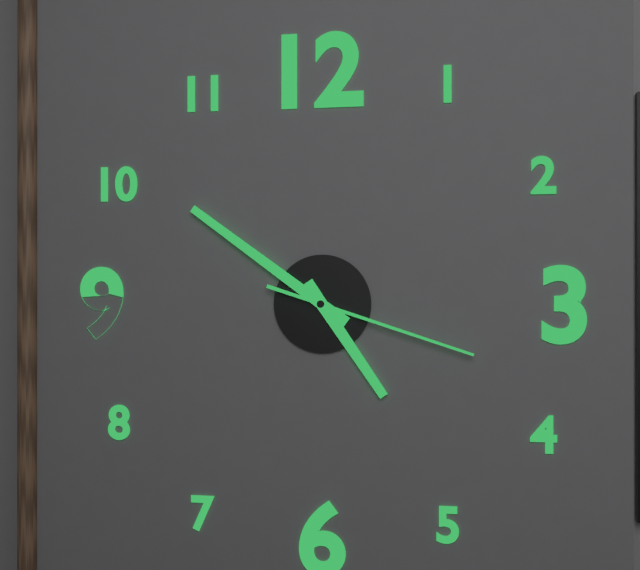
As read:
{"hour": 4, "minute": 51, "second": 18}
